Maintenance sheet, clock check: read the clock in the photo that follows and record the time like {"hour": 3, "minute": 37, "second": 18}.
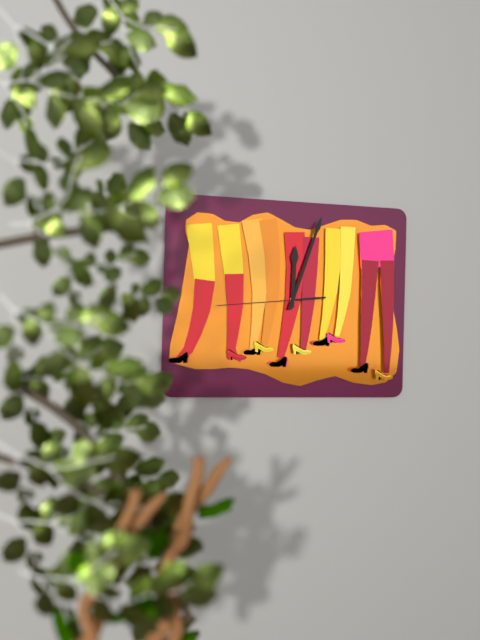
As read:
{"hour": 12, "minute": 3, "second": 44}
